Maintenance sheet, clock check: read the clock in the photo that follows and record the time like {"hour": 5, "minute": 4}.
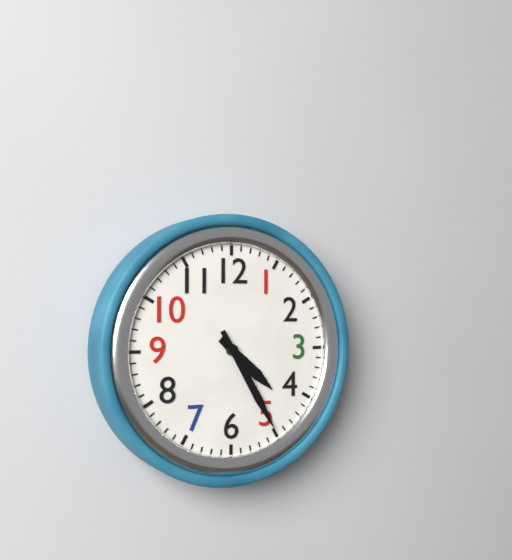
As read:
{"hour": 4, "minute": 25}
